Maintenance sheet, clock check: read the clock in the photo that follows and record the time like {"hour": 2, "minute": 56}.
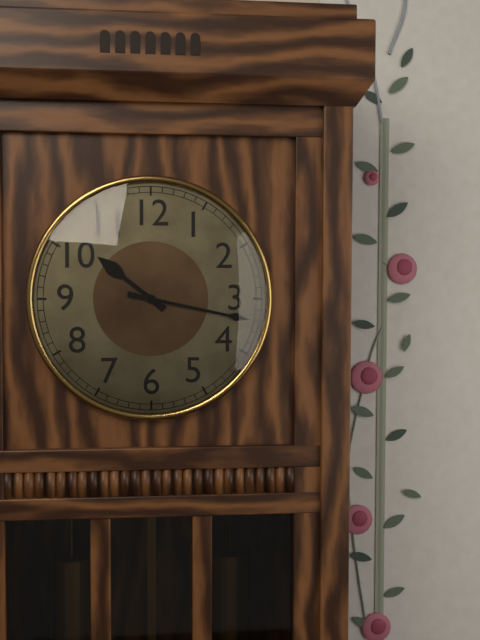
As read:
{"hour": 10, "minute": 17}
